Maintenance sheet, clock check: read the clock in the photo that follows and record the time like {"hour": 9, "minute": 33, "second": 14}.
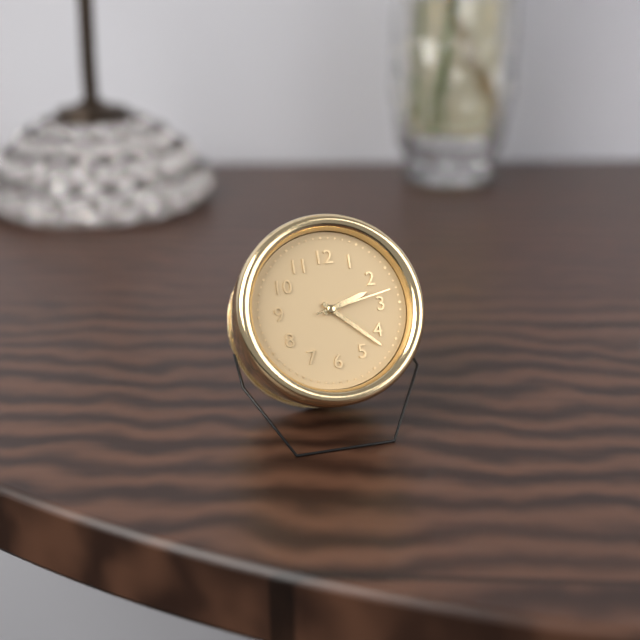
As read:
{"hour": 2, "minute": 22, "second": 13}
